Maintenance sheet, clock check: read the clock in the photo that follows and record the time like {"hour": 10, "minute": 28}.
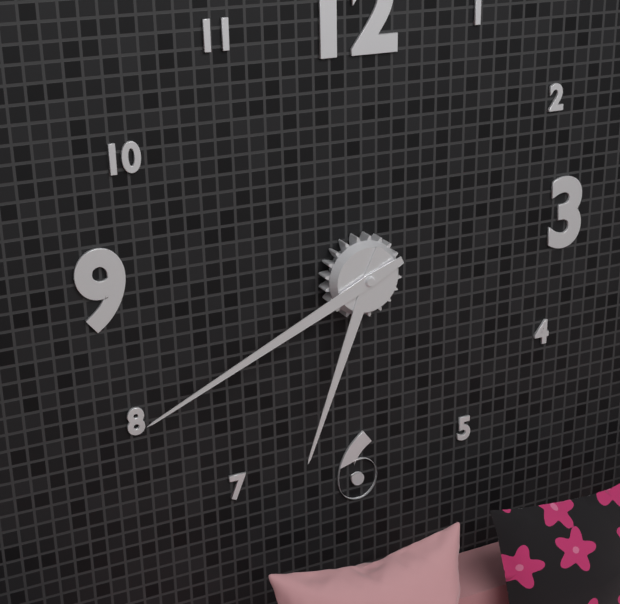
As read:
{"hour": 6, "minute": 41}
